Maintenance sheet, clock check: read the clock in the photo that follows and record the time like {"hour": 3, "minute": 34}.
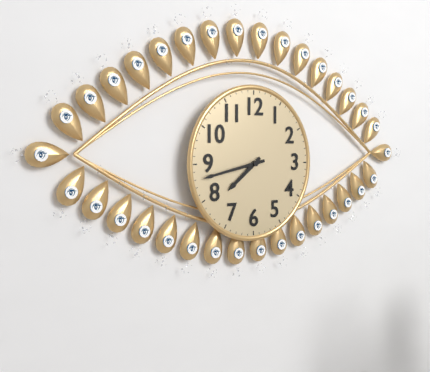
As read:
{"hour": 7, "minute": 43}
